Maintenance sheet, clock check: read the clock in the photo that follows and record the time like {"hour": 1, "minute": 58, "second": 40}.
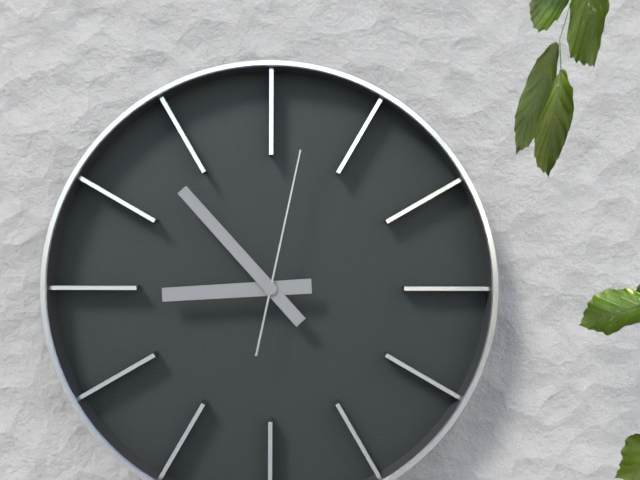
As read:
{"hour": 8, "minute": 53, "second": 2}
